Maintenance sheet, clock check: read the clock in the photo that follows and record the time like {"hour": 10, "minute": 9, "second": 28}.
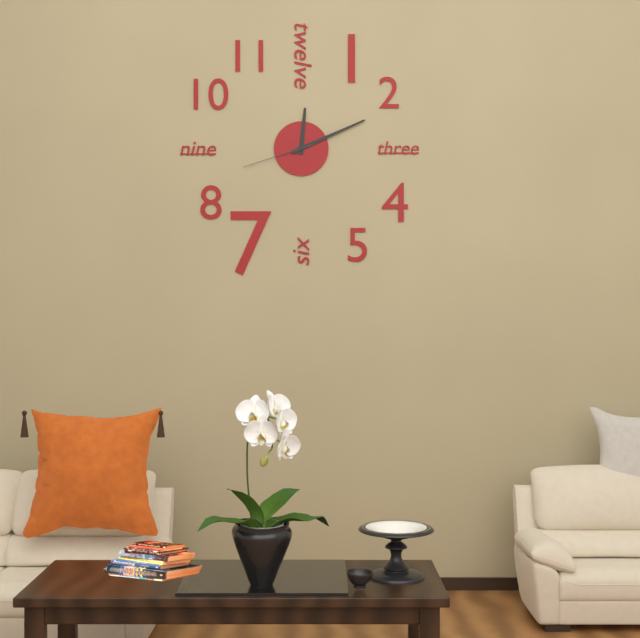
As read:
{"hour": 12, "minute": 11, "second": 42}
